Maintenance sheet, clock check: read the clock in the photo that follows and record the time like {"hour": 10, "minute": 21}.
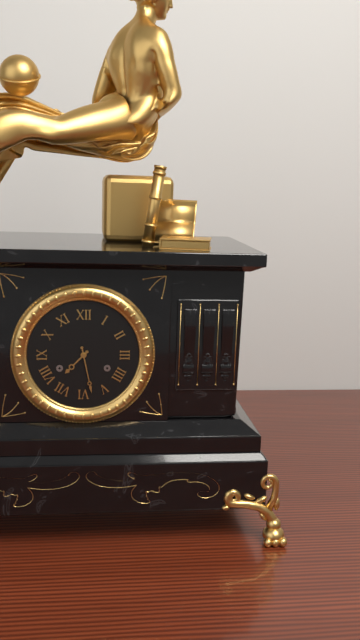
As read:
{"hour": 7, "minute": 28}
